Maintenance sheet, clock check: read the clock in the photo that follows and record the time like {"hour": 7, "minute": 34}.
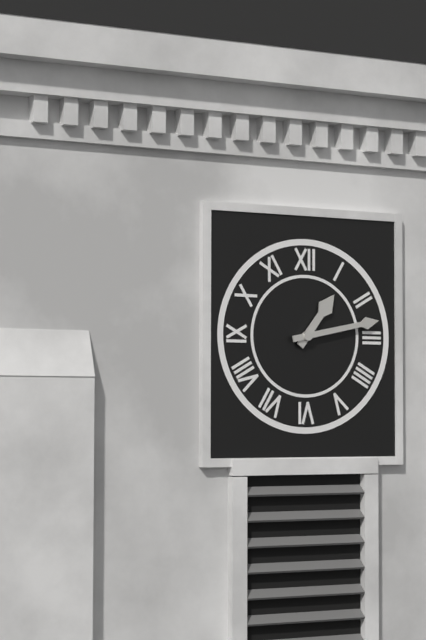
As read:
{"hour": 1, "minute": 13}
